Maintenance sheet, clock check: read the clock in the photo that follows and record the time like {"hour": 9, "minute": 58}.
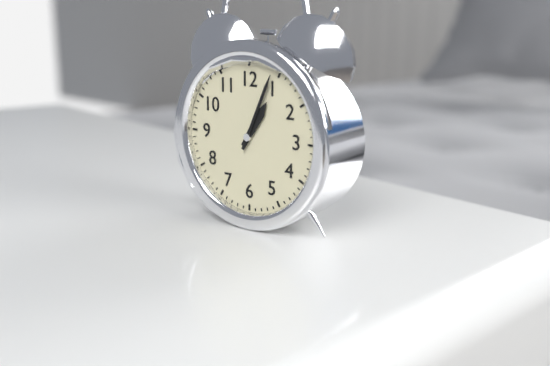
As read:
{"hour": 1, "minute": 4}
